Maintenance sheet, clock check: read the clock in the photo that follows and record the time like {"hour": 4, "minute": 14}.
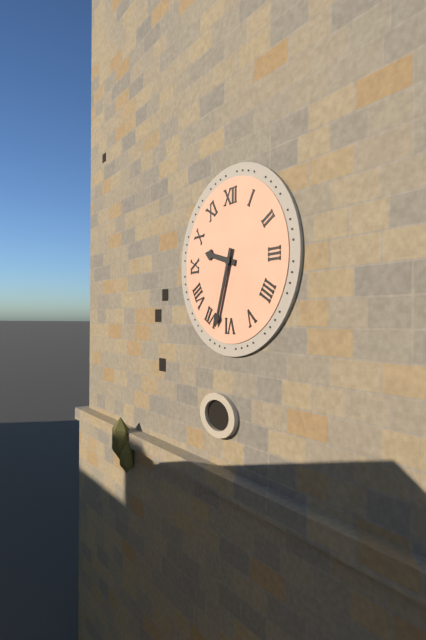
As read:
{"hour": 9, "minute": 33}
